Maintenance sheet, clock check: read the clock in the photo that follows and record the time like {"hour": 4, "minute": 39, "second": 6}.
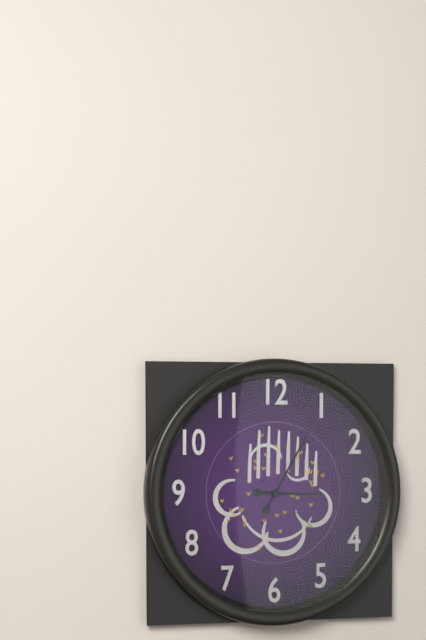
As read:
{"hour": 3, "minute": 5, "second": 22}
